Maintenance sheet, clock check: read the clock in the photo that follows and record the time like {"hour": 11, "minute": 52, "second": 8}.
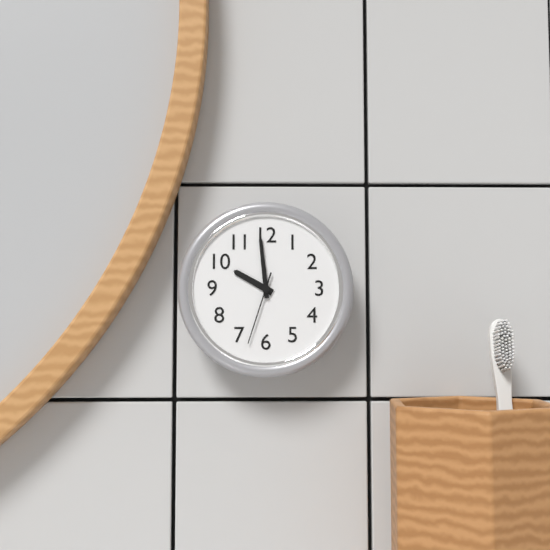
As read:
{"hour": 9, "minute": 59, "second": 33}
